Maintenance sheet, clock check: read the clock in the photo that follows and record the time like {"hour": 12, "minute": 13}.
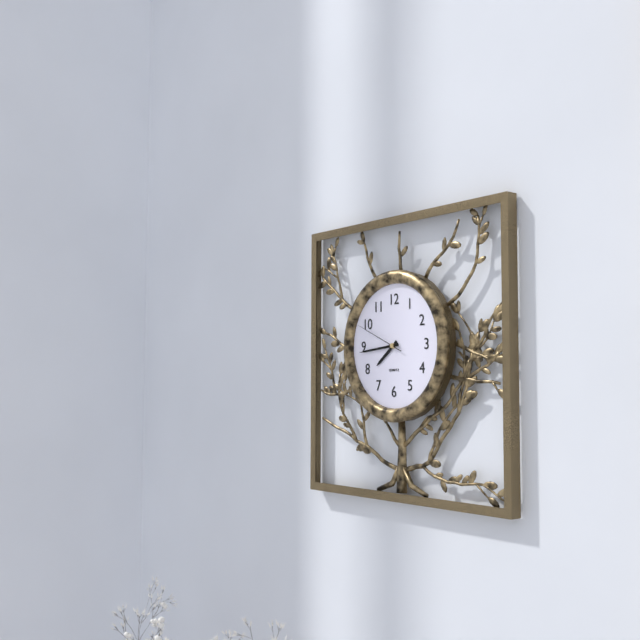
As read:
{"hour": 7, "minute": 44}
